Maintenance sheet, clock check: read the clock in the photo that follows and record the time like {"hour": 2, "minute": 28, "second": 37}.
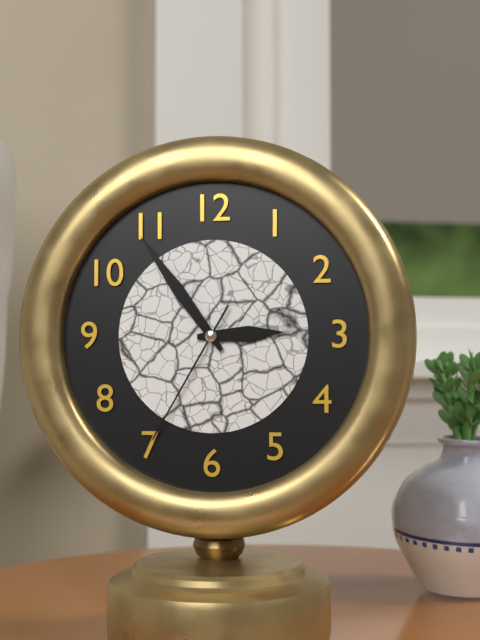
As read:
{"hour": 2, "minute": 54, "second": 35}
